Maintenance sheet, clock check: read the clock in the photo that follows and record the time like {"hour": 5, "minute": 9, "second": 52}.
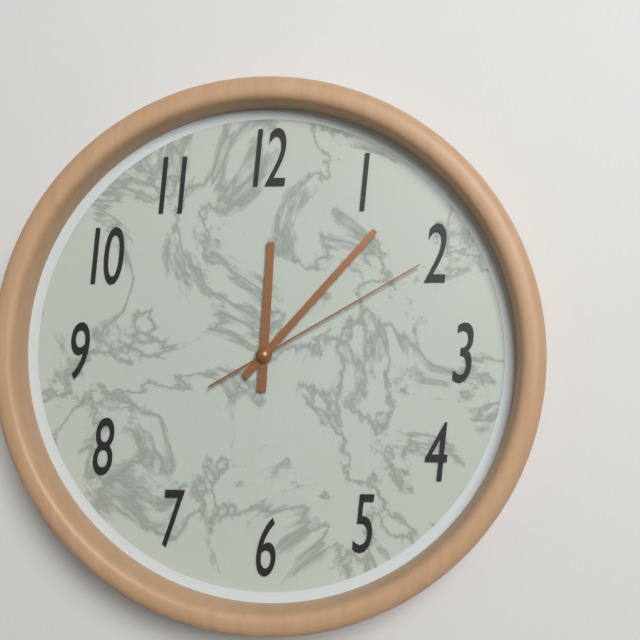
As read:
{"hour": 12, "minute": 7, "second": 10}
